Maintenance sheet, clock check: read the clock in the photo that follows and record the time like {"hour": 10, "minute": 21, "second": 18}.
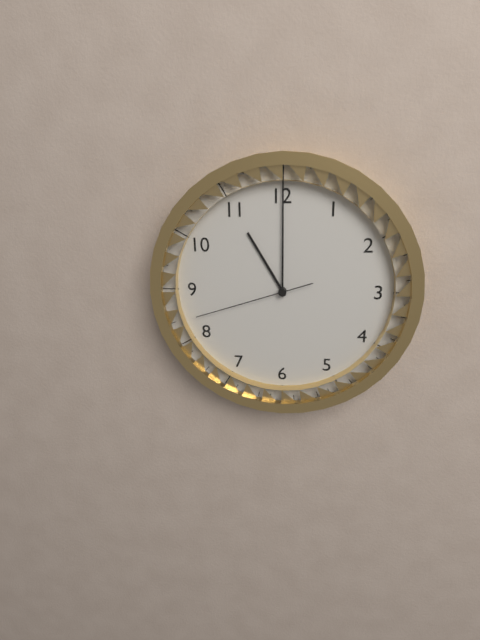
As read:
{"hour": 11, "minute": 0, "second": 42}
